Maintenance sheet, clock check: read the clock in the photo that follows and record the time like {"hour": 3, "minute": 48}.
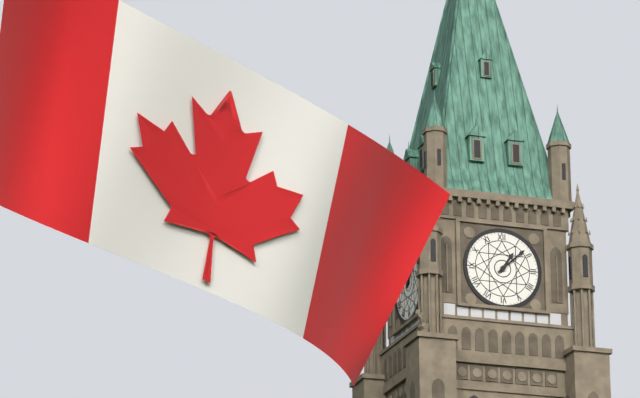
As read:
{"hour": 1, "minute": 8}
